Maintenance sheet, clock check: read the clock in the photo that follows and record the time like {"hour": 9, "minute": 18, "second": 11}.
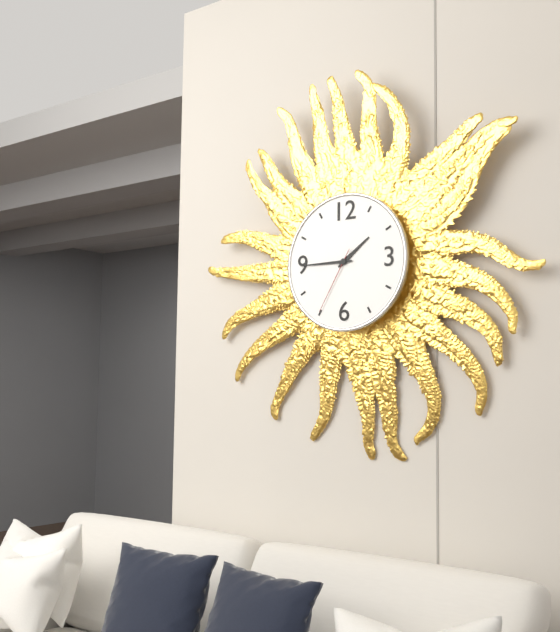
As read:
{"hour": 1, "minute": 45, "second": 35}
